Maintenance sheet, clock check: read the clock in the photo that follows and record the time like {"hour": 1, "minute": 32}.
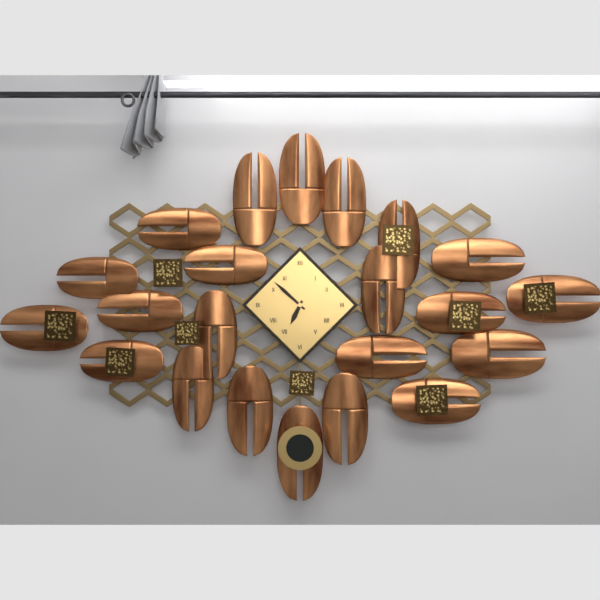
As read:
{"hour": 6, "minute": 52}
